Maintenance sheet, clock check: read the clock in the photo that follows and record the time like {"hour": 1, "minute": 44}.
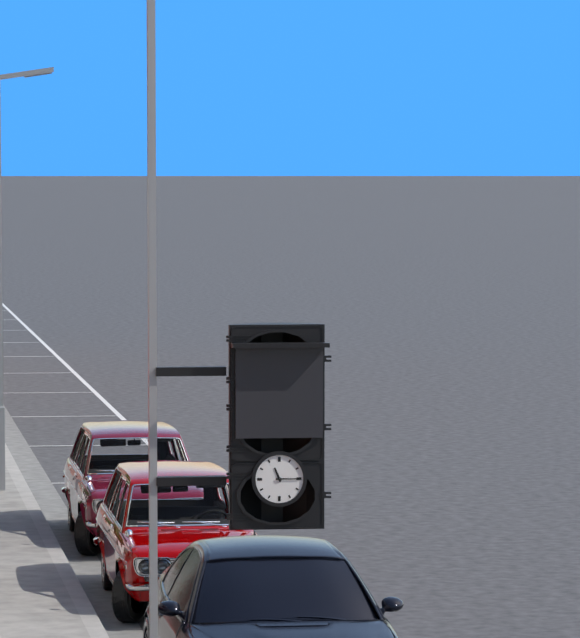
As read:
{"hour": 11, "minute": 15}
